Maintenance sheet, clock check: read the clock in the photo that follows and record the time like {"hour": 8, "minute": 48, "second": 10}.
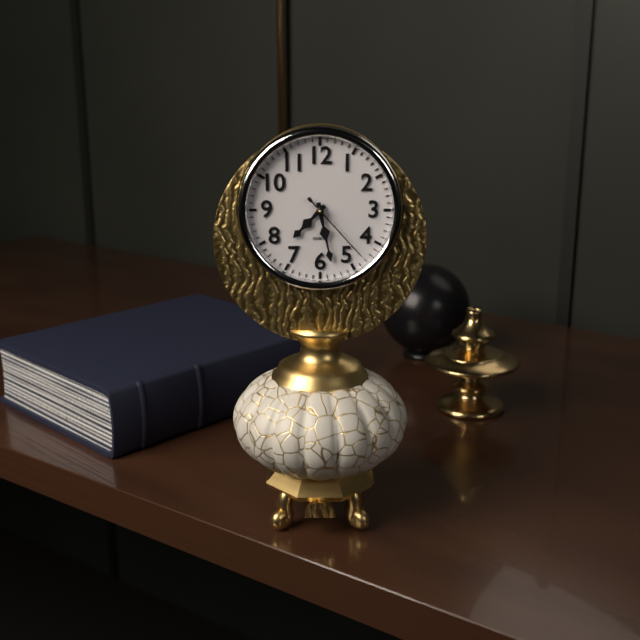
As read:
{"hour": 7, "minute": 28, "second": 23}
